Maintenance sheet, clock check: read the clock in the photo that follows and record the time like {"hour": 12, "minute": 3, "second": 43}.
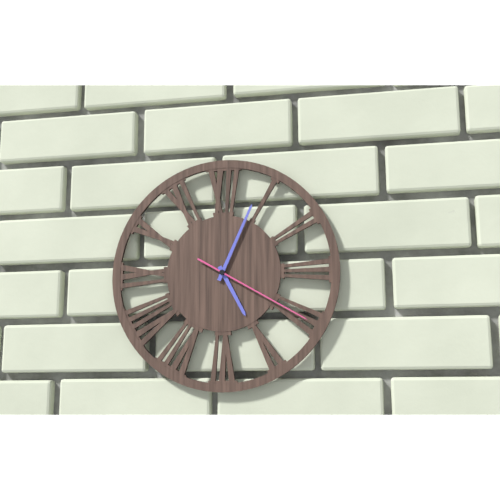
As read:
{"hour": 5, "minute": 4, "second": 20}
